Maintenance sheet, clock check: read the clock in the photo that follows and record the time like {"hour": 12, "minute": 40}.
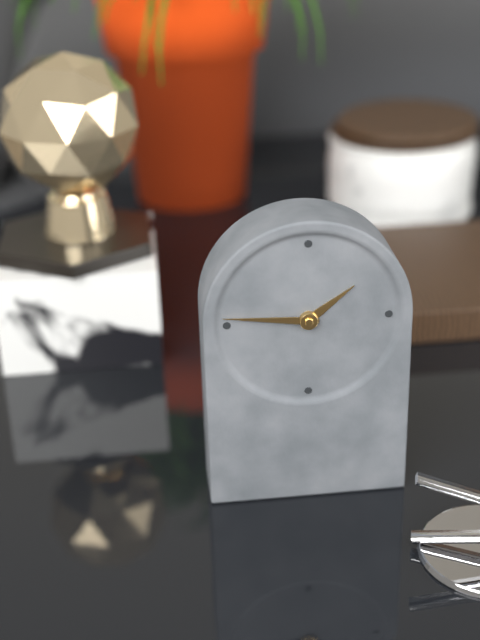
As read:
{"hour": 1, "minute": 46}
